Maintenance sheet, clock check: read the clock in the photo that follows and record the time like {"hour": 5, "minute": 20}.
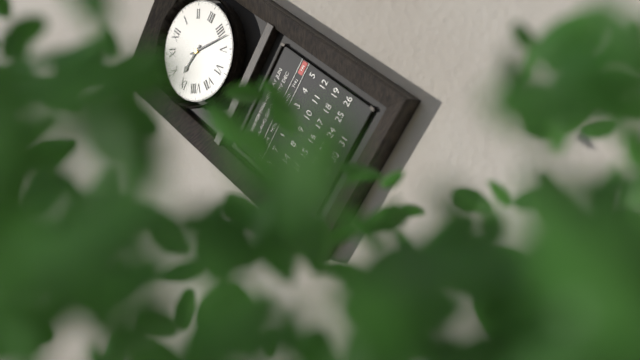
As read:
{"hour": 9, "minute": 22}
